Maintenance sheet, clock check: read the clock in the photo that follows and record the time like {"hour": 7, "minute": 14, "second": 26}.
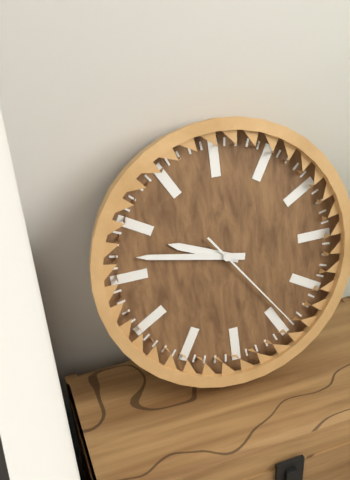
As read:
{"hour": 9, "minute": 47, "second": 24}
